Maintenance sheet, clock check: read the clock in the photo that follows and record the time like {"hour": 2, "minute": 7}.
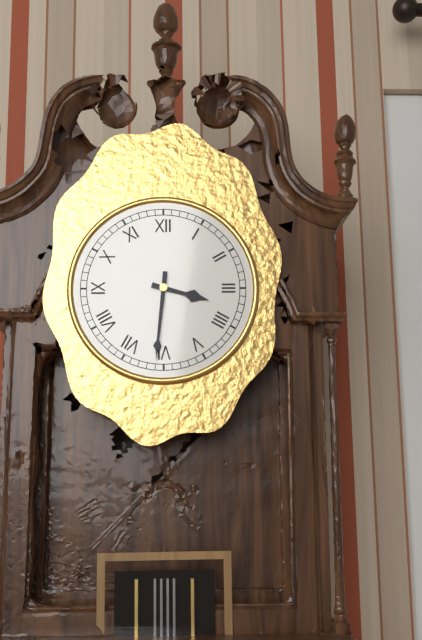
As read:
{"hour": 3, "minute": 31}
